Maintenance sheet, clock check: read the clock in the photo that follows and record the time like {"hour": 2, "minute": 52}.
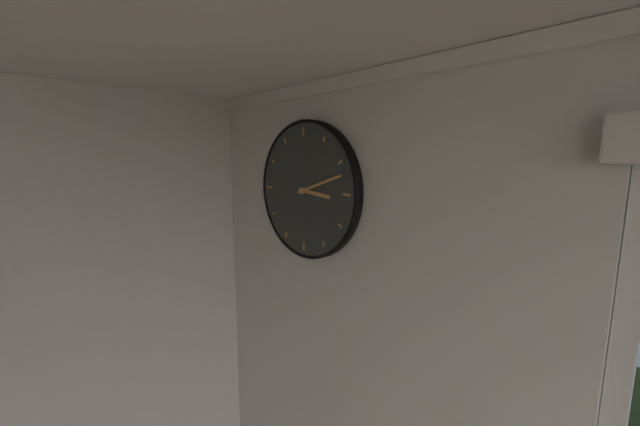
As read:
{"hour": 3, "minute": 12}
